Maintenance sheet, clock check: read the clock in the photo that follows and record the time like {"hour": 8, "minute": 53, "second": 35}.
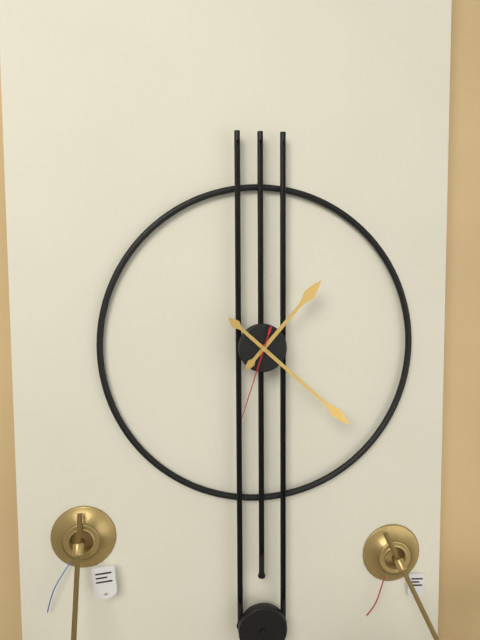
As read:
{"hour": 1, "minute": 22, "second": 33}
